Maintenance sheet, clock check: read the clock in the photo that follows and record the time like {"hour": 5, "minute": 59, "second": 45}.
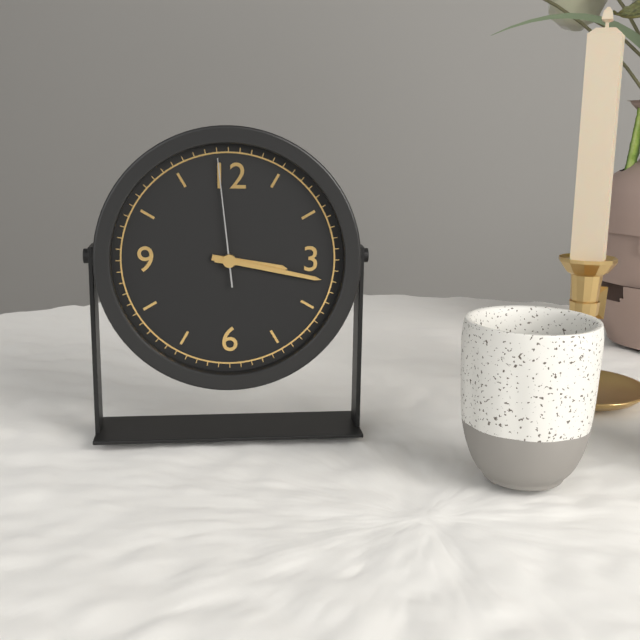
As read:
{"hour": 3, "minute": 17, "second": 59}
